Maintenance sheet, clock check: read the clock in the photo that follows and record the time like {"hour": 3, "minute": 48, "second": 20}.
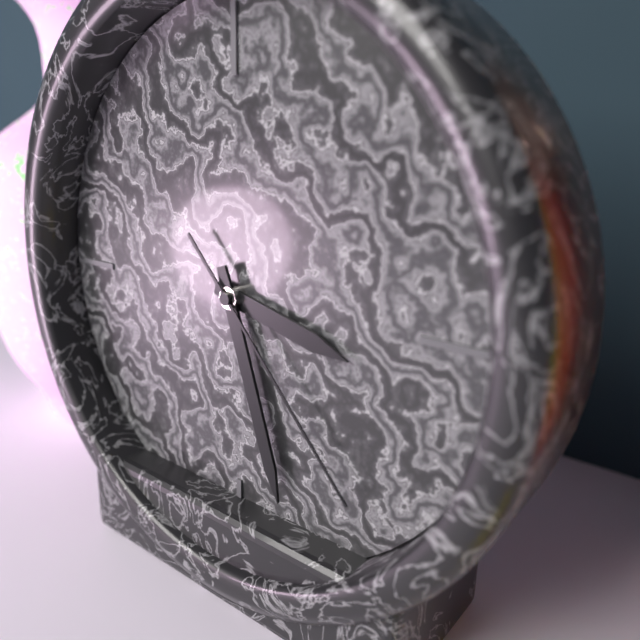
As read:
{"hour": 3, "minute": 27, "second": 23}
